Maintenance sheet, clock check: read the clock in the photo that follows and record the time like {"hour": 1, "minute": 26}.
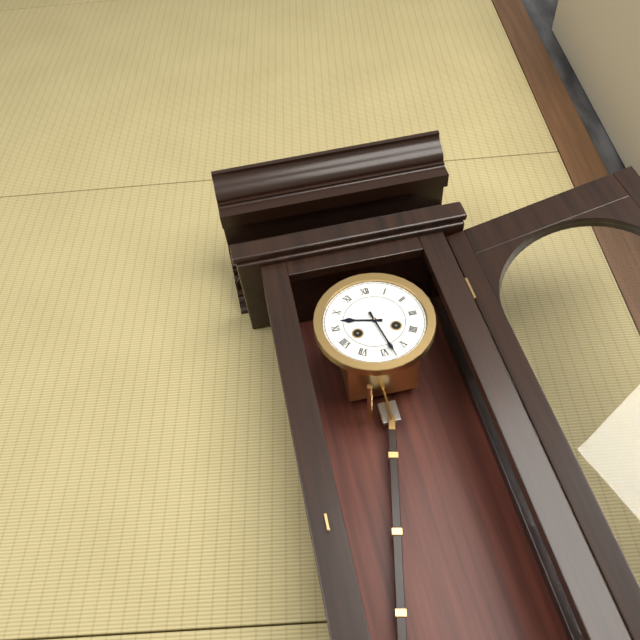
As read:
{"hour": 9, "minute": 28}
